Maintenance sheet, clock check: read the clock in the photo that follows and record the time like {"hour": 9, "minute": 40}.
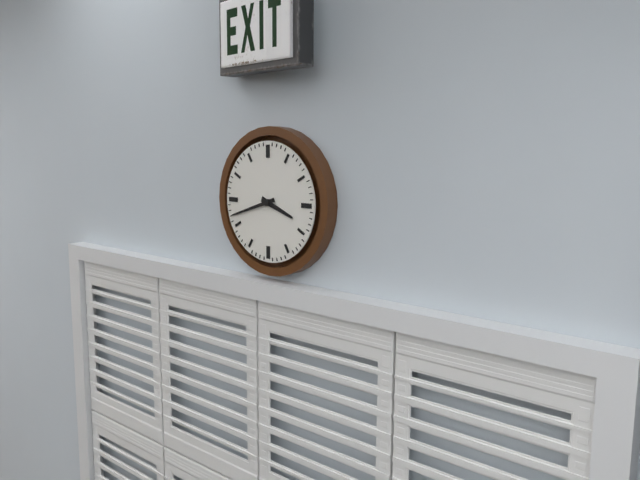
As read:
{"hour": 3, "minute": 42}
